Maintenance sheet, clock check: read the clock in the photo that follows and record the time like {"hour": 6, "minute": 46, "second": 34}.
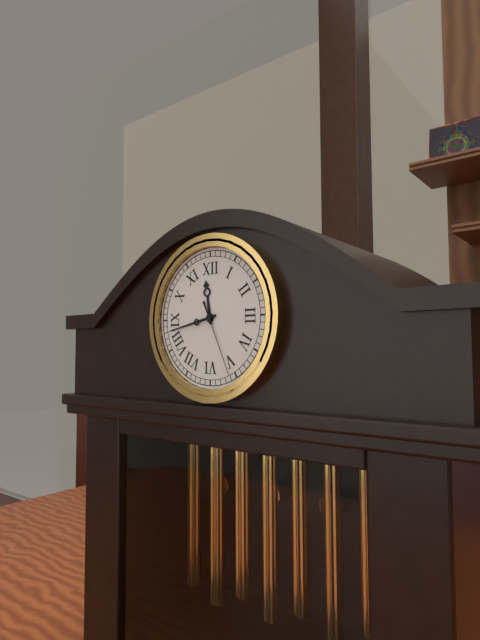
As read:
{"hour": 11, "minute": 43, "second": 26}
